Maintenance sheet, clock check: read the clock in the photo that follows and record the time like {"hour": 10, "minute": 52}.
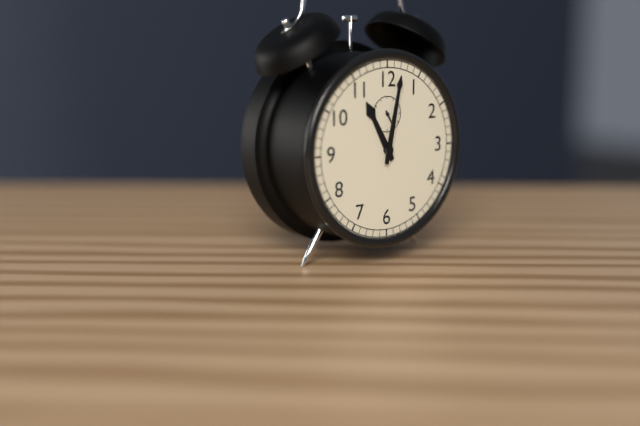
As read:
{"hour": 11, "minute": 2}
